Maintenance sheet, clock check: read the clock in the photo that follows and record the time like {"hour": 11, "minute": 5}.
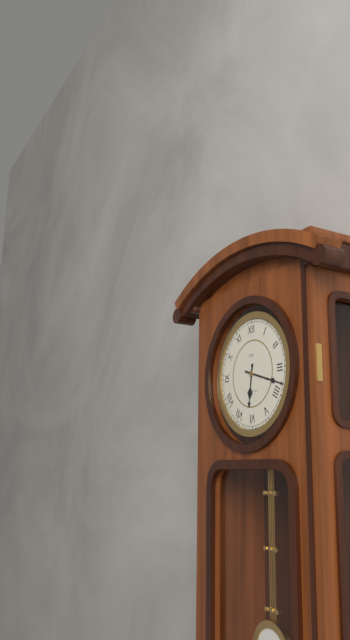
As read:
{"hour": 6, "minute": 18}
